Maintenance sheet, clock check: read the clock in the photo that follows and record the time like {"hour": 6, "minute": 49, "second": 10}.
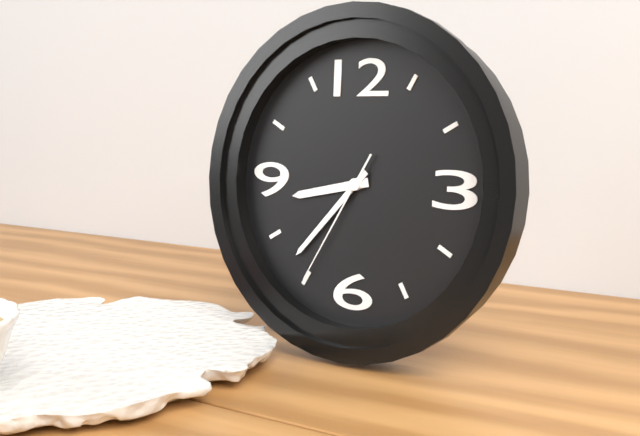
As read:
{"hour": 8, "minute": 37, "second": 35}
